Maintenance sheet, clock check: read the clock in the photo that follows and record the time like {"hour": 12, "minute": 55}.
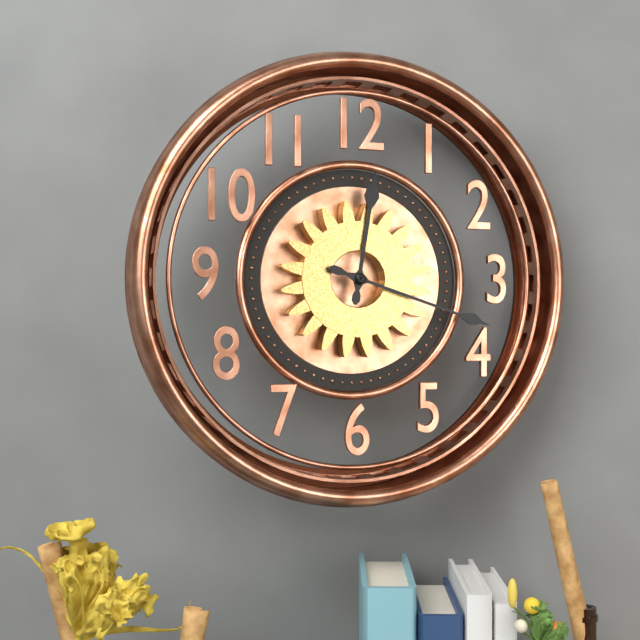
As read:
{"hour": 12, "minute": 18}
